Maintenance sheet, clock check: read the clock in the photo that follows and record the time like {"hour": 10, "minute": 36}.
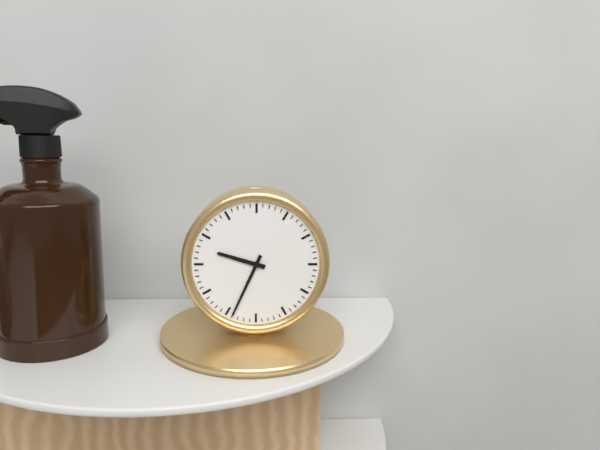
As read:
{"hour": 9, "minute": 34}
